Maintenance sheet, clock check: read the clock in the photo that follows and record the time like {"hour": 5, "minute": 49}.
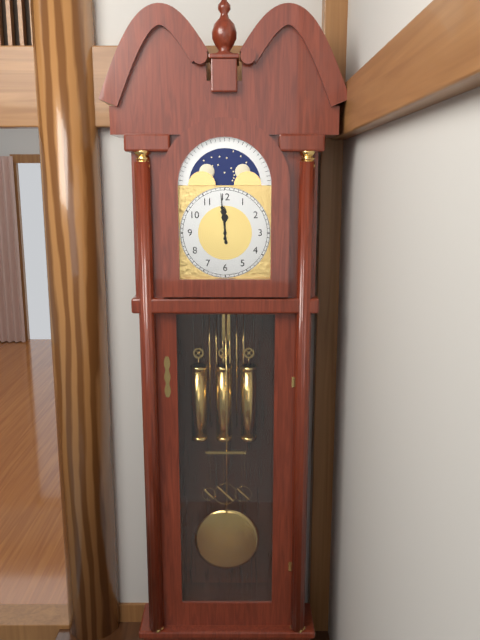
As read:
{"hour": 11, "minute": 59}
